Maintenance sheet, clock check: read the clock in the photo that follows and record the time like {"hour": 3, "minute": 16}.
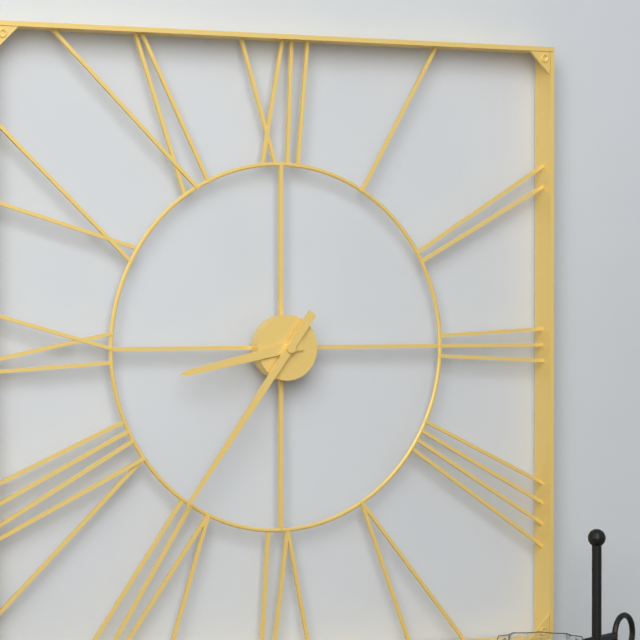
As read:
{"hour": 8, "minute": 36}
